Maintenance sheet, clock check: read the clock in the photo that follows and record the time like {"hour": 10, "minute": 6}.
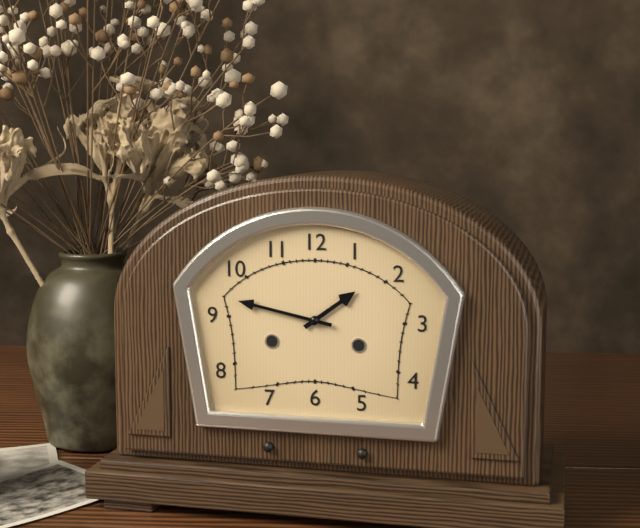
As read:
{"hour": 1, "minute": 47}
